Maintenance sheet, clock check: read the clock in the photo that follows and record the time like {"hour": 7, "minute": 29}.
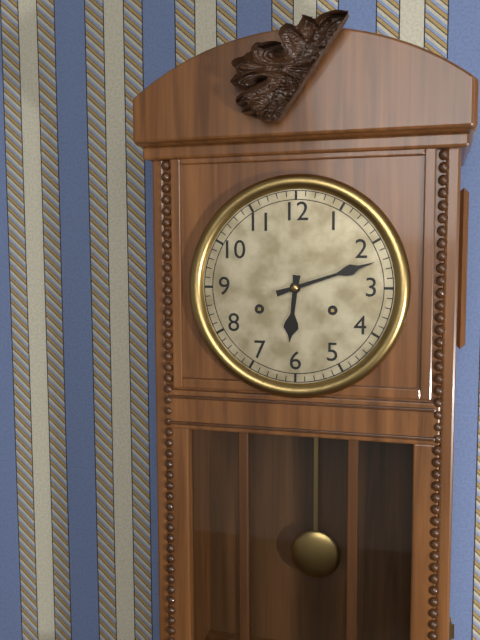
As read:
{"hour": 6, "minute": 12}
